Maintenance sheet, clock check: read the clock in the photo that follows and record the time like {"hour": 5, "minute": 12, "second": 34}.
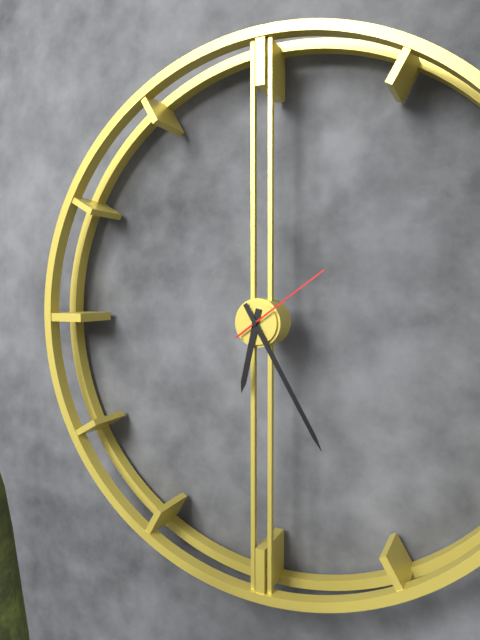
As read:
{"hour": 6, "minute": 25, "second": 9}
